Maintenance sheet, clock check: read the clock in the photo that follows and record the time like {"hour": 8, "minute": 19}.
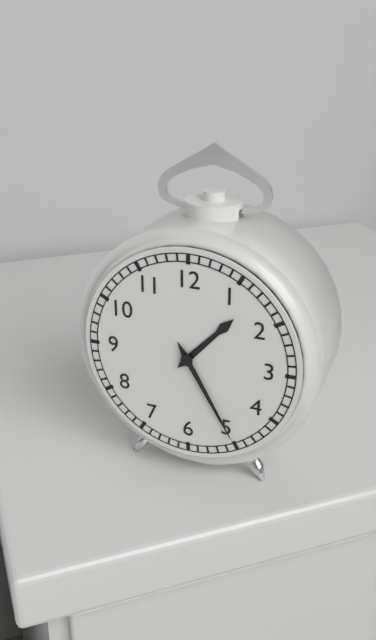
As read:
{"hour": 1, "minute": 25}
